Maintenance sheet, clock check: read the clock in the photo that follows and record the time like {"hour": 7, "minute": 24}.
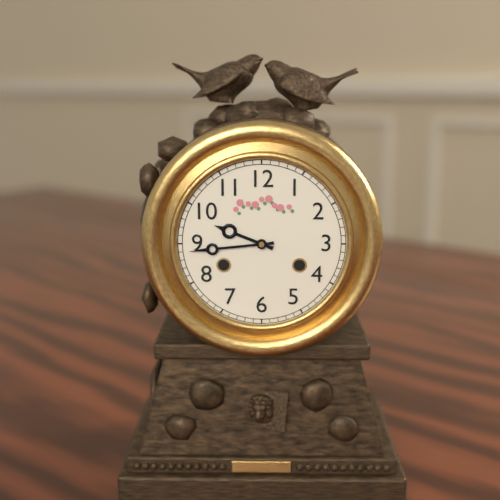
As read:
{"hour": 9, "minute": 44}
